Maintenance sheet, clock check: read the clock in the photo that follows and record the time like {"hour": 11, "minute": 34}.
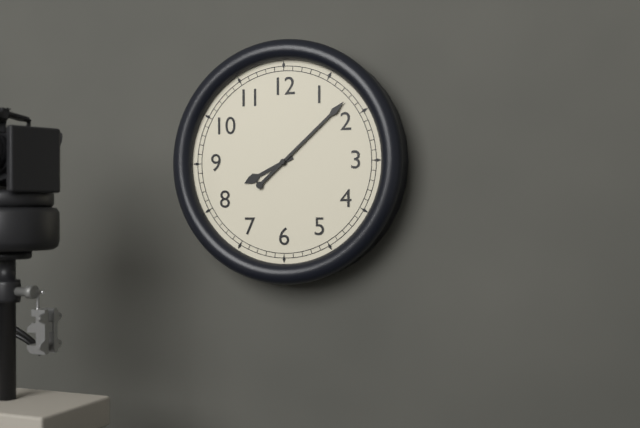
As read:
{"hour": 8, "minute": 8}
